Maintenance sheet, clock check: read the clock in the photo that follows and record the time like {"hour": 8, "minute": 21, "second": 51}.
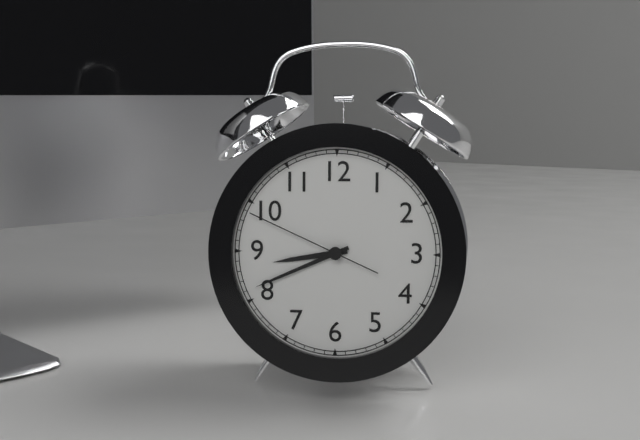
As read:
{"hour": 8, "minute": 41, "second": 49}
